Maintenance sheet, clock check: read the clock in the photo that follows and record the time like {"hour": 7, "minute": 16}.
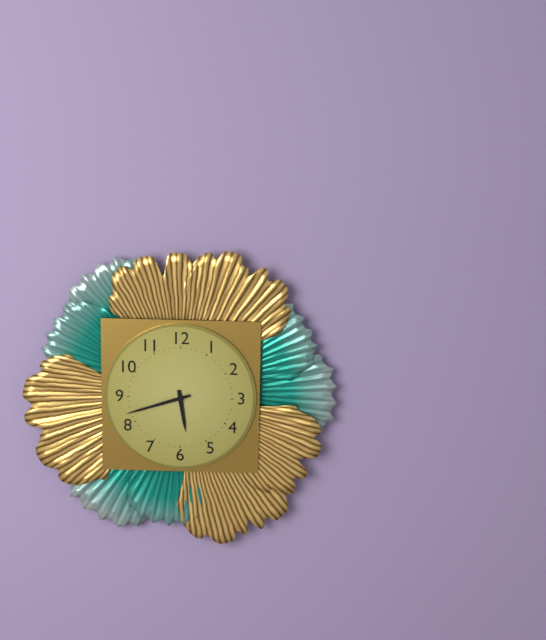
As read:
{"hour": 5, "minute": 42}
